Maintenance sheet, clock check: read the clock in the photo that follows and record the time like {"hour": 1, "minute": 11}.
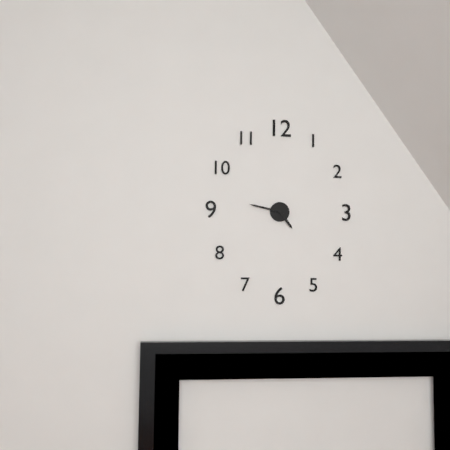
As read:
{"hour": 4, "minute": 47}
